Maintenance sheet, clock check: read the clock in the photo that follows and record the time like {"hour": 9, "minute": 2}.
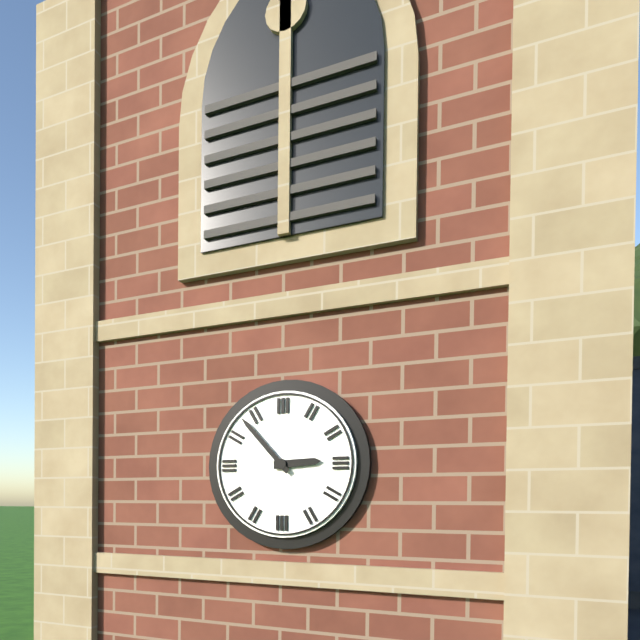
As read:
{"hour": 2, "minute": 53}
